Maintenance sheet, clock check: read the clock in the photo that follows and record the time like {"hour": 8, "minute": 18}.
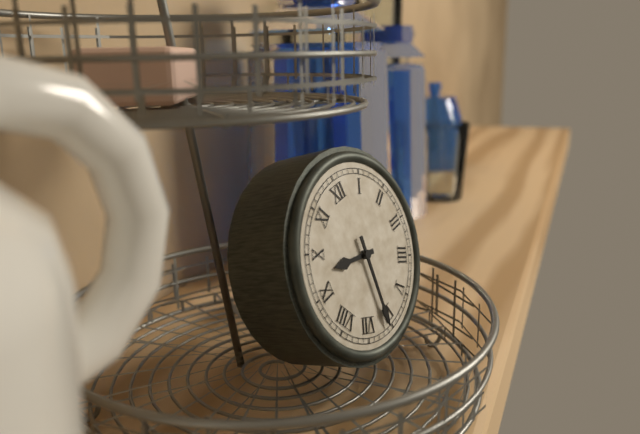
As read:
{"hour": 9, "minute": 31}
